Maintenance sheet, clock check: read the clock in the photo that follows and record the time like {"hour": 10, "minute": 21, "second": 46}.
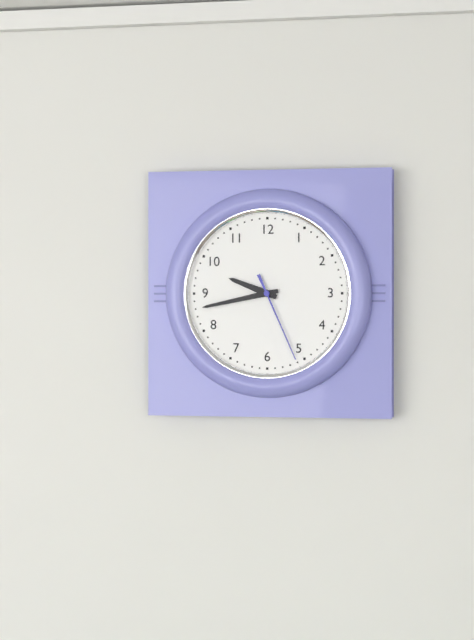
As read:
{"hour": 9, "minute": 43, "second": 26}
